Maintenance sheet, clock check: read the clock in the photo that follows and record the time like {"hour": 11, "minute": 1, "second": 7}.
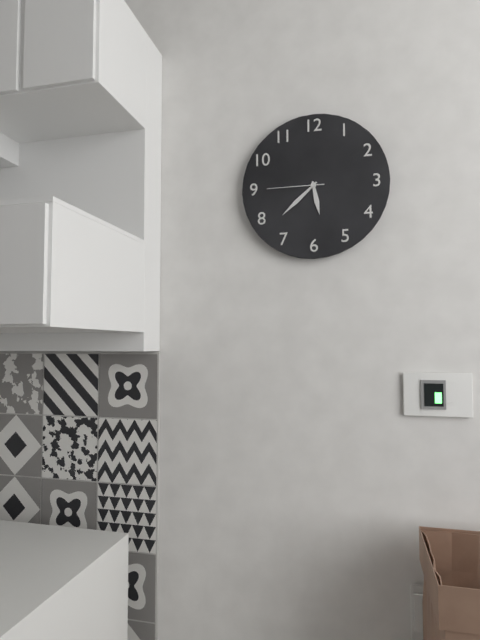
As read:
{"hour": 5, "minute": 38, "second": 45}
